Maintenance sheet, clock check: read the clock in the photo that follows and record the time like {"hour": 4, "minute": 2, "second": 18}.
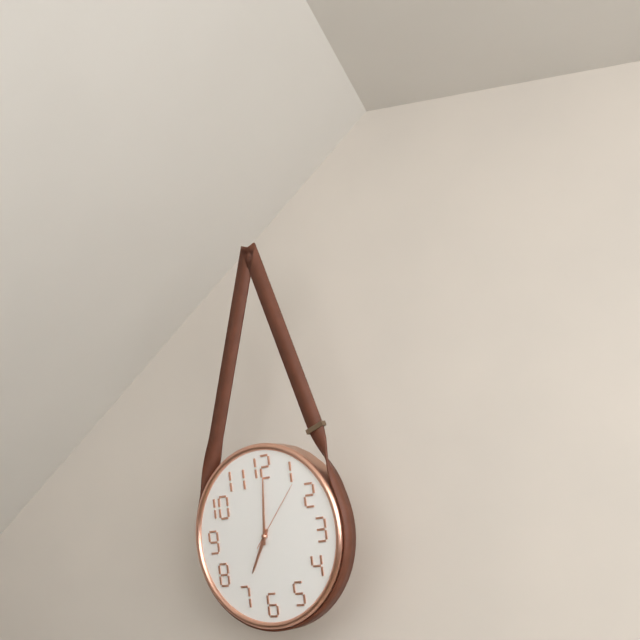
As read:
{"hour": 7, "minute": 1, "second": 7}
